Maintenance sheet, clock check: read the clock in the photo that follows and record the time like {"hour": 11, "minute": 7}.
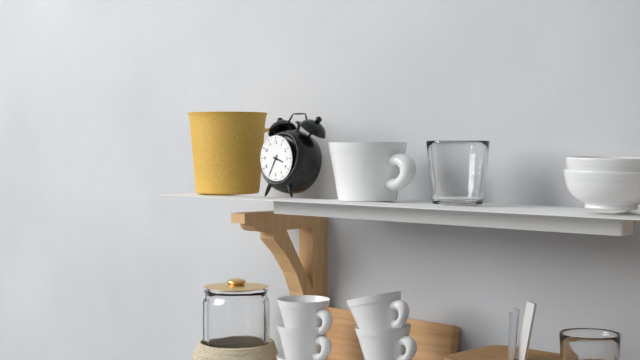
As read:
{"hour": 3, "minute": 35}
